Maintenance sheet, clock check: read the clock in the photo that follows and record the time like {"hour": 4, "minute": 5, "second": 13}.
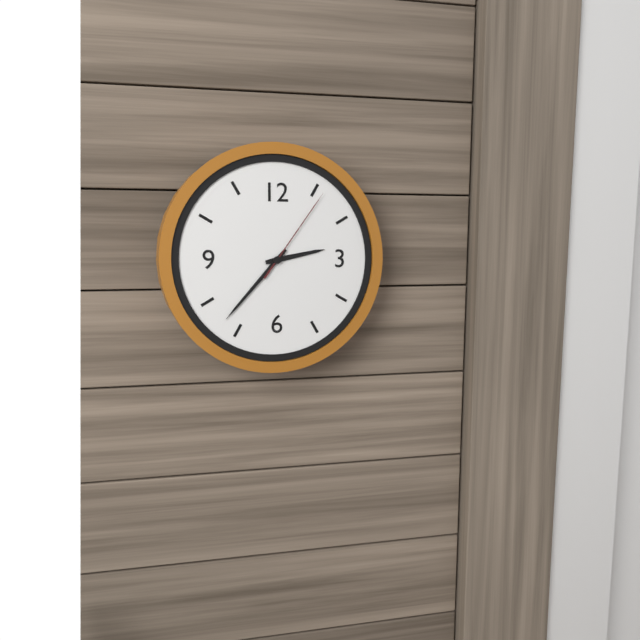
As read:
{"hour": 2, "minute": 37, "second": 6}
